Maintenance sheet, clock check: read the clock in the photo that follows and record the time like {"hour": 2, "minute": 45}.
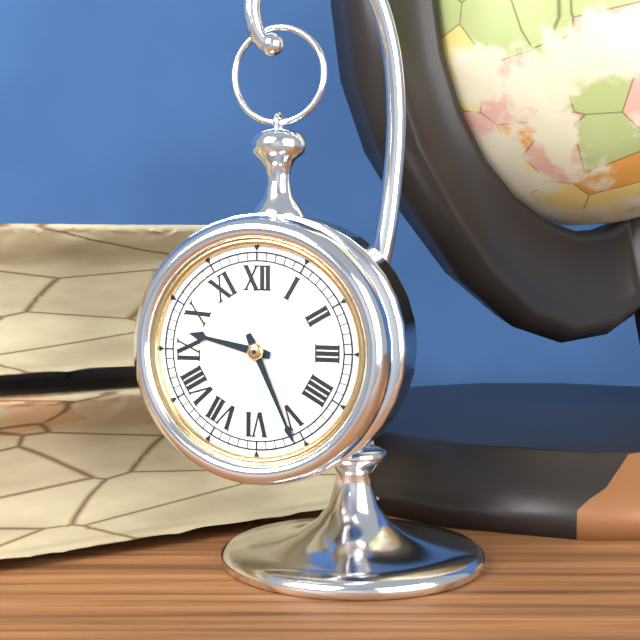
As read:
{"hour": 9, "minute": 26}
